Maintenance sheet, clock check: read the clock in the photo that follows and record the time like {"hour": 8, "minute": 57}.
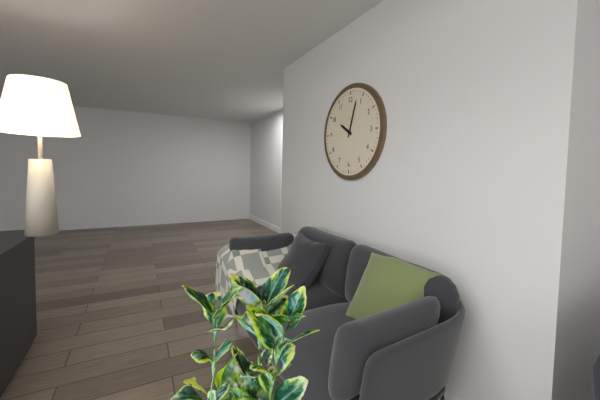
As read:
{"hour": 10, "minute": 3}
